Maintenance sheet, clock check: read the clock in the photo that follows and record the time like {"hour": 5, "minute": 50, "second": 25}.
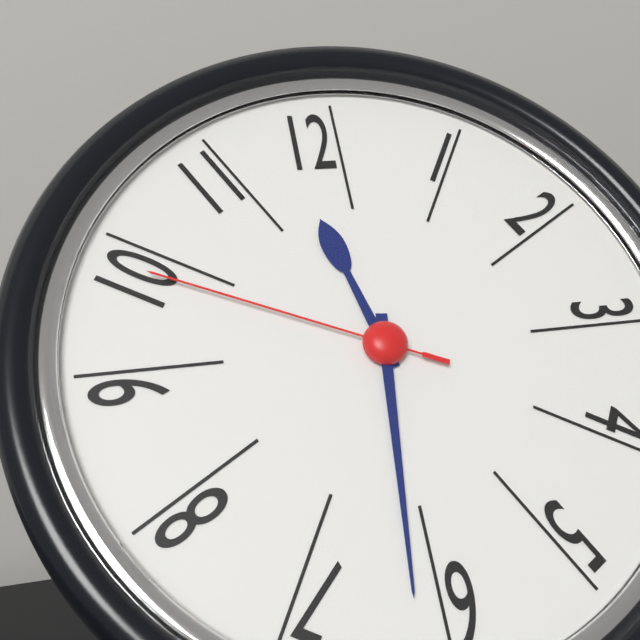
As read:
{"hour": 11, "minute": 31, "second": 49}
